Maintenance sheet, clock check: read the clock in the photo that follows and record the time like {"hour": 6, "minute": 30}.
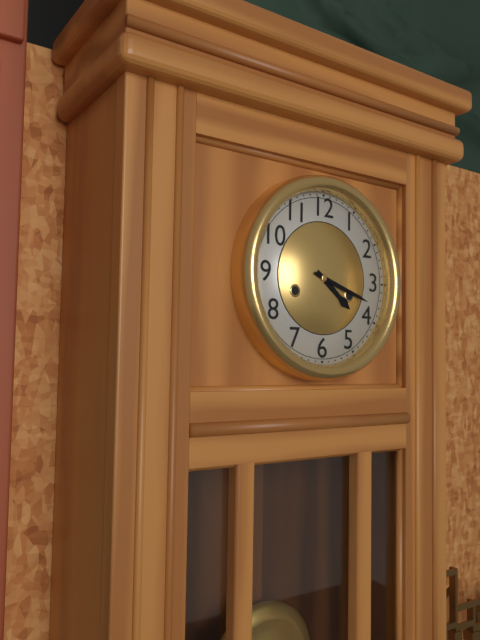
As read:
{"hour": 4, "minute": 18}
